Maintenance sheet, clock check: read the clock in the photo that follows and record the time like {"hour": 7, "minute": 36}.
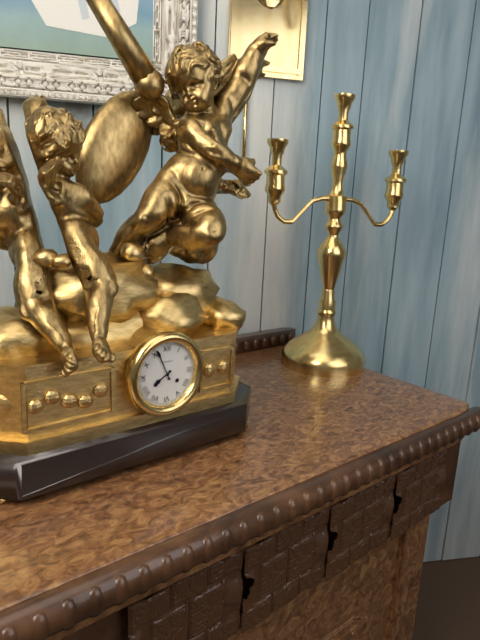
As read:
{"hour": 7, "minute": 56}
